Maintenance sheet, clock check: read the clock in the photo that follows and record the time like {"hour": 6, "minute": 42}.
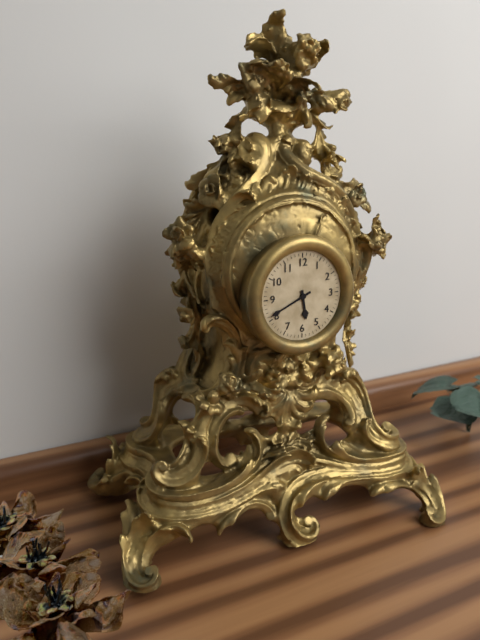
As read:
{"hour": 5, "minute": 41}
